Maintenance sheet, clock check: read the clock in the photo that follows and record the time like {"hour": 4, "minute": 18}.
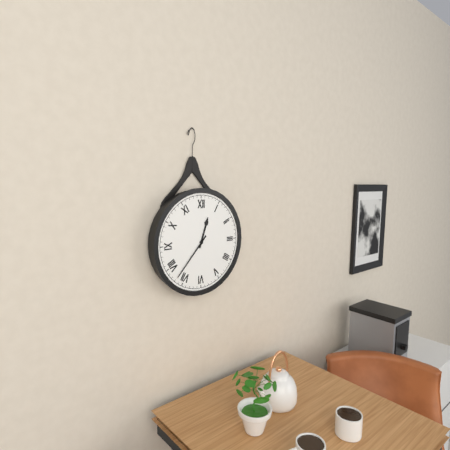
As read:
{"hour": 12, "minute": 37}
